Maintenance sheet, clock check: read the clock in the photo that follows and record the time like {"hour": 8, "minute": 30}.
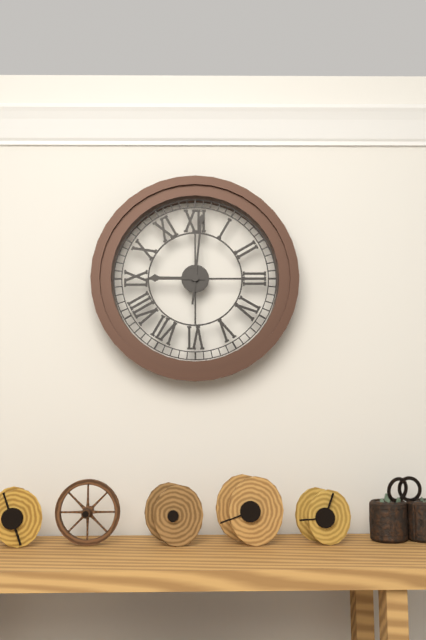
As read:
{"hour": 9, "minute": 1}
